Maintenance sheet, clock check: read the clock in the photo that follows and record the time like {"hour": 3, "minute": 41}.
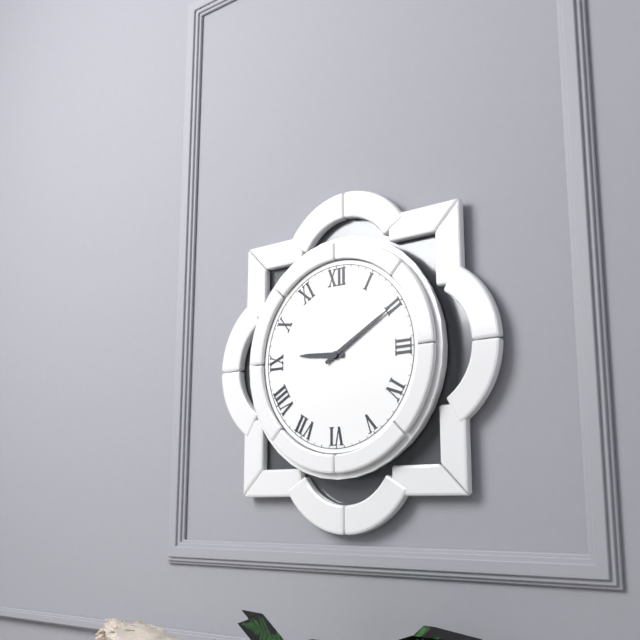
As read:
{"hour": 9, "minute": 10}
